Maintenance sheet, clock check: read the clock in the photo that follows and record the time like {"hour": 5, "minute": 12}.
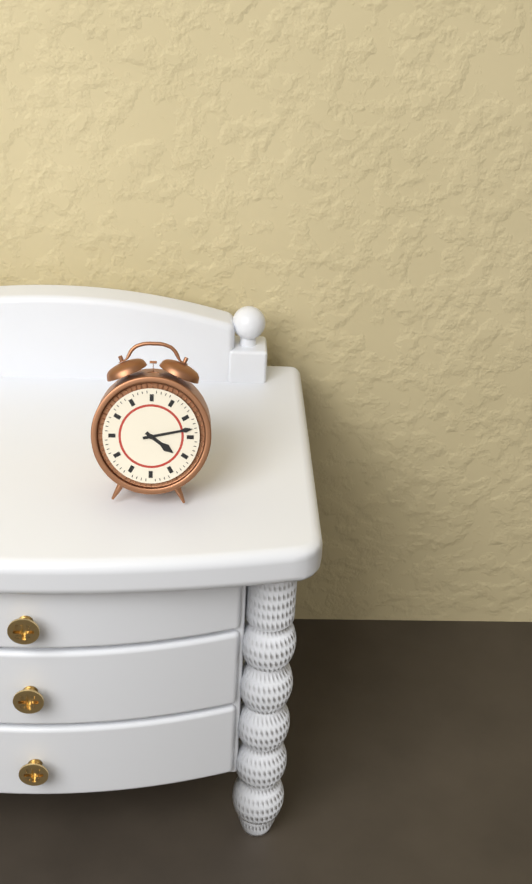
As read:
{"hour": 4, "minute": 13}
